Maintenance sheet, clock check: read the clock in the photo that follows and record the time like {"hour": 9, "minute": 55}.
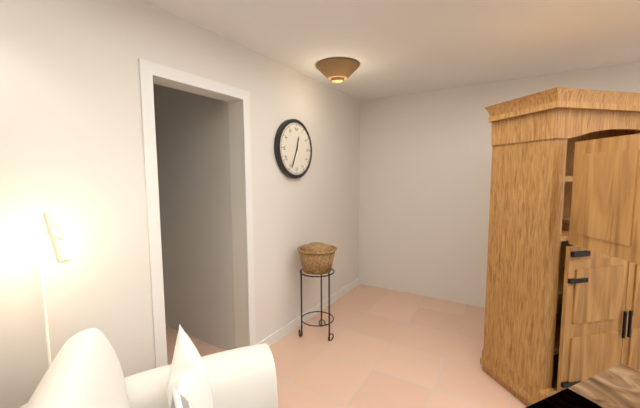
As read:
{"hour": 12, "minute": 34}
